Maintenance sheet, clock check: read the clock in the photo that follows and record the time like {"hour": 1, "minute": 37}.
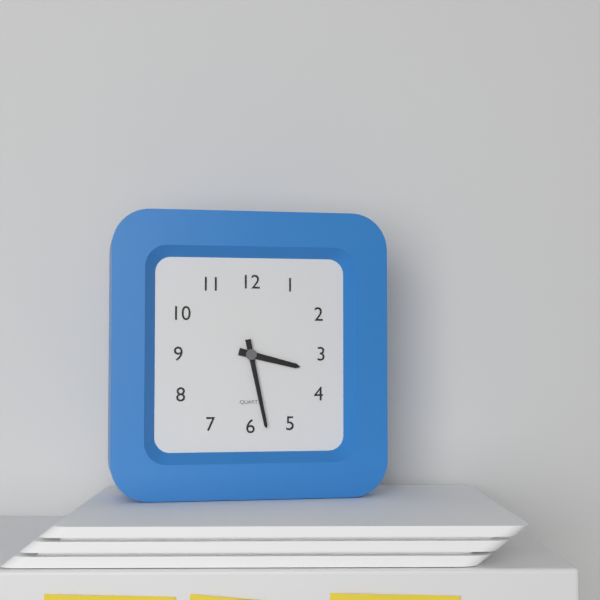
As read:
{"hour": 3, "minute": 28}
